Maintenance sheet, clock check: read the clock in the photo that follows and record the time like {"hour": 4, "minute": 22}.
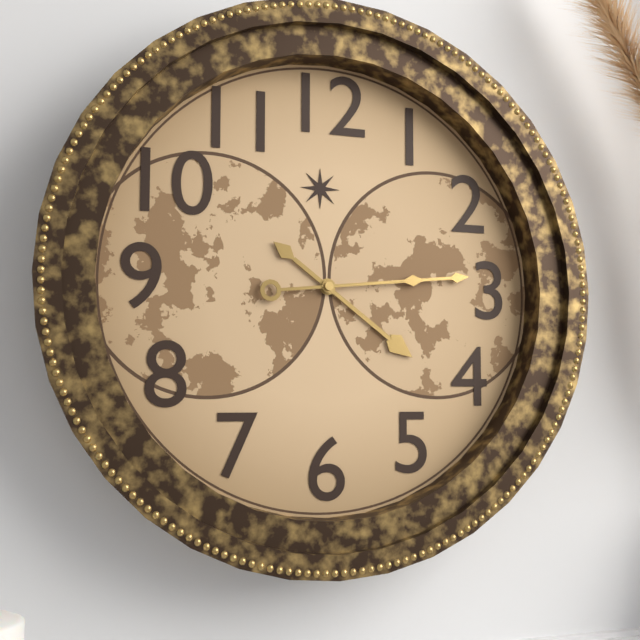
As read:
{"hour": 4, "minute": 14}
